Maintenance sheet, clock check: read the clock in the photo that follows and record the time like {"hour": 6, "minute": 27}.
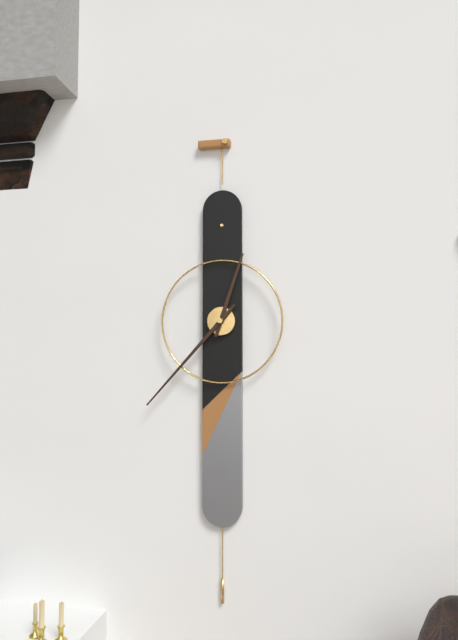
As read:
{"hour": 12, "minute": 37}
